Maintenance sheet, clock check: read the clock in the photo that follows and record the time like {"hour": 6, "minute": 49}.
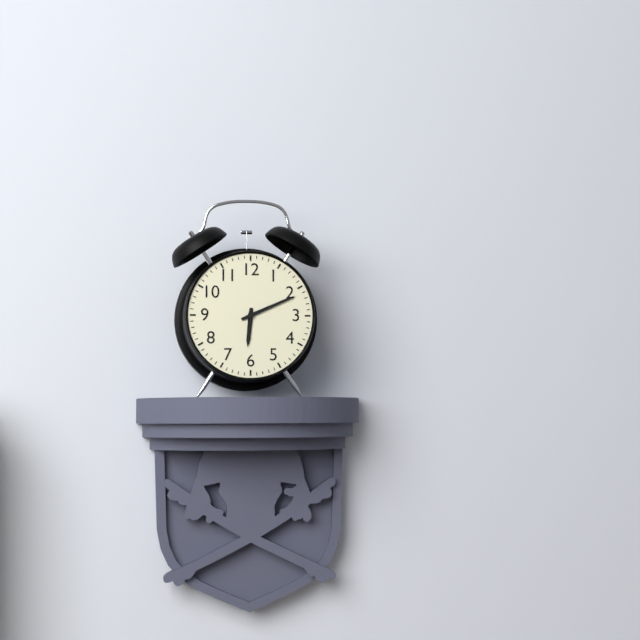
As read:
{"hour": 6, "minute": 11}
